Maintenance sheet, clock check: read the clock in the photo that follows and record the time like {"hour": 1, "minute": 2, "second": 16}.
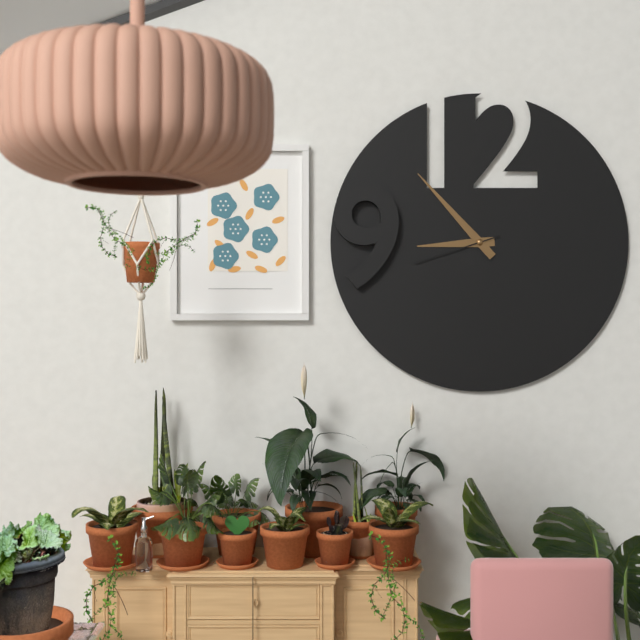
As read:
{"hour": 8, "minute": 53, "second": 42}
